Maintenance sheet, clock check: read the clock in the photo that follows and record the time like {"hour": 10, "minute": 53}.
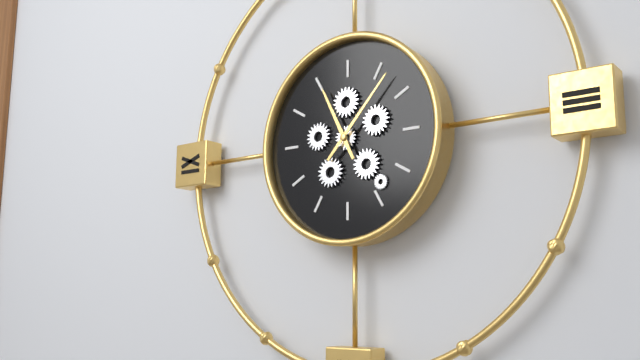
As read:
{"hour": 11, "minute": 7}
